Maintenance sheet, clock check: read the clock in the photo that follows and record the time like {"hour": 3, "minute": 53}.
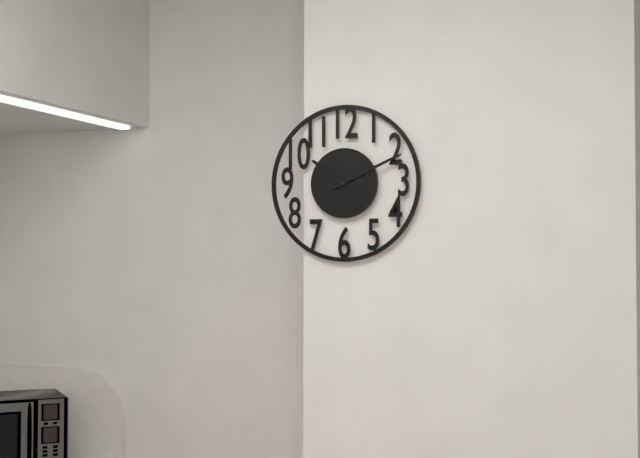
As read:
{"hour": 10, "minute": 11}
